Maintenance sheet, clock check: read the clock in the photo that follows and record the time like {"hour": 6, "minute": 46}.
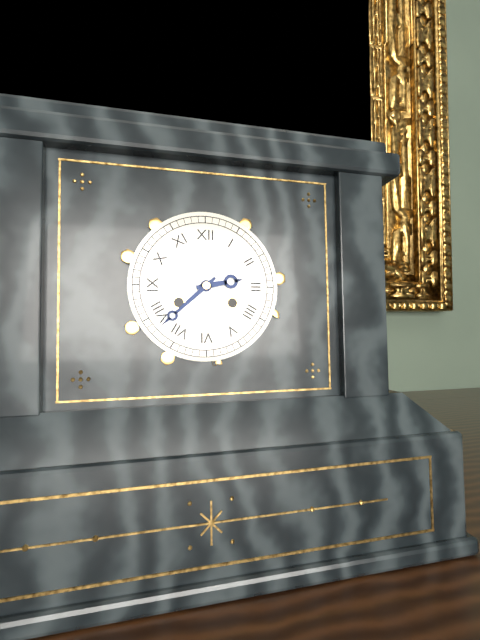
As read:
{"hour": 2, "minute": 38}
